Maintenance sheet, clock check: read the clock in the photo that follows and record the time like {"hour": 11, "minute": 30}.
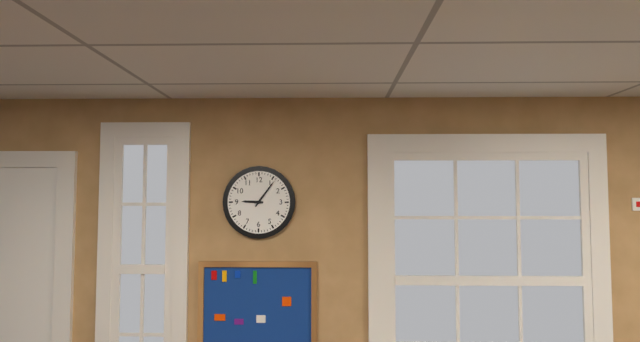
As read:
{"hour": 9, "minute": 6}
